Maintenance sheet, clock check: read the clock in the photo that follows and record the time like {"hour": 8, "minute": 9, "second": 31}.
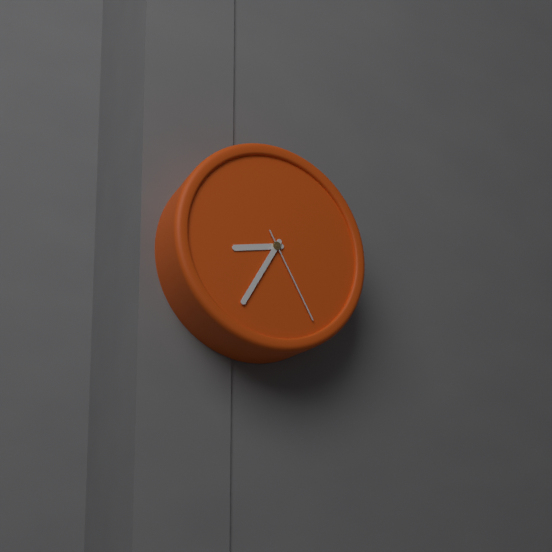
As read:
{"hour": 8, "minute": 35, "second": 25}
